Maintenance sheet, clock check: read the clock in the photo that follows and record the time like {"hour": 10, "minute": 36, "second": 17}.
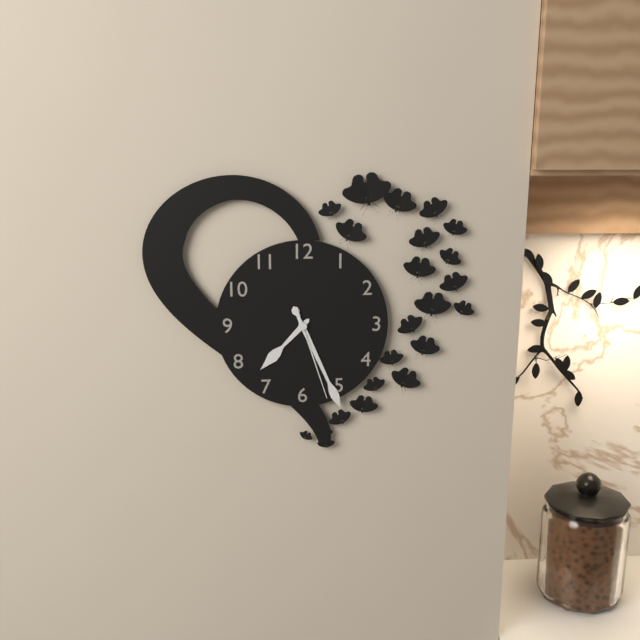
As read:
{"hour": 7, "minute": 26, "second": 27}
